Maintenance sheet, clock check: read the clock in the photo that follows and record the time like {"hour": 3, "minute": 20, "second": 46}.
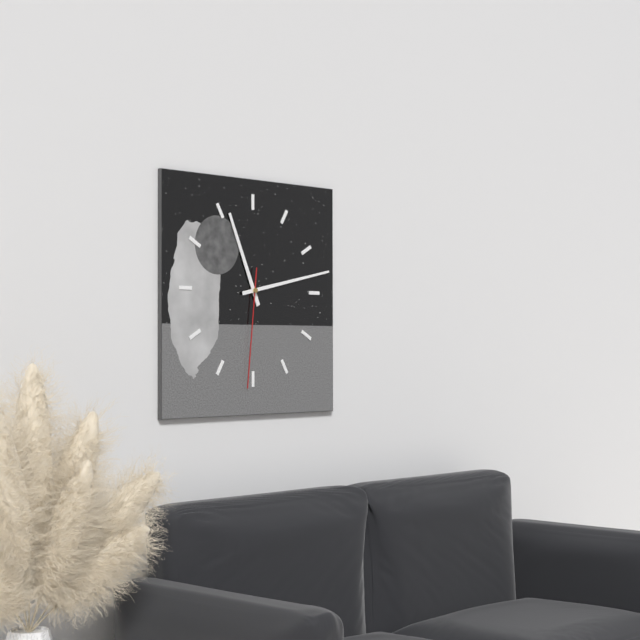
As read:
{"hour": 11, "minute": 13, "second": 31}
